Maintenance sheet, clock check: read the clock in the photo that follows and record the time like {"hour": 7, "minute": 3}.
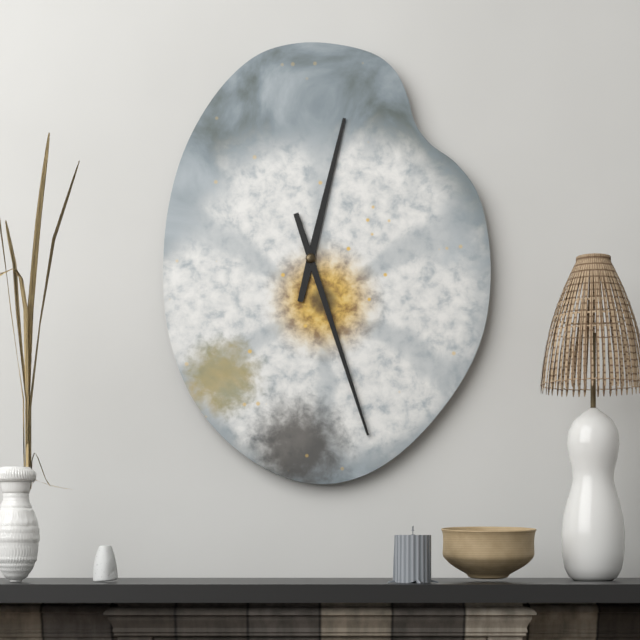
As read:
{"hour": 12, "minute": 27}
